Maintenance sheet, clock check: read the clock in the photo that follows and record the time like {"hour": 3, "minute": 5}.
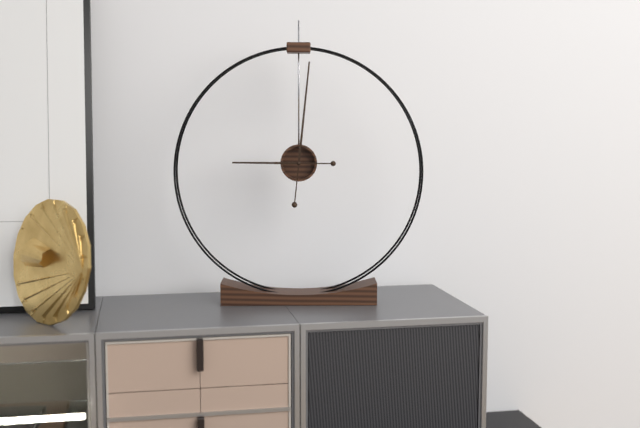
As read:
{"hour": 9, "minute": 1}
